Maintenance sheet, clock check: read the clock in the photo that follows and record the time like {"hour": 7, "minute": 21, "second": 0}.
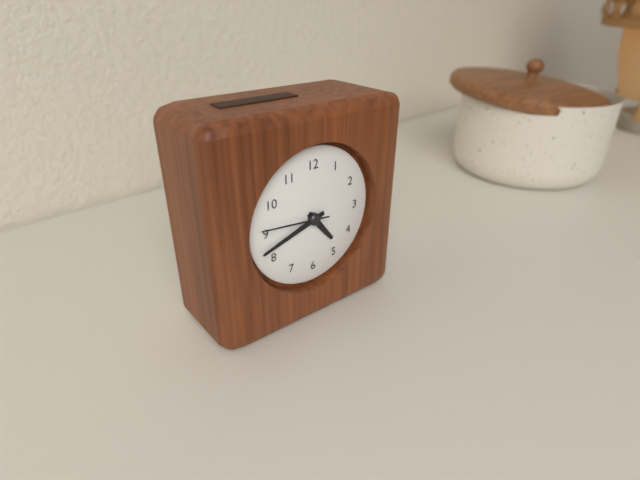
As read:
{"hour": 4, "minute": 42, "second": 46}
